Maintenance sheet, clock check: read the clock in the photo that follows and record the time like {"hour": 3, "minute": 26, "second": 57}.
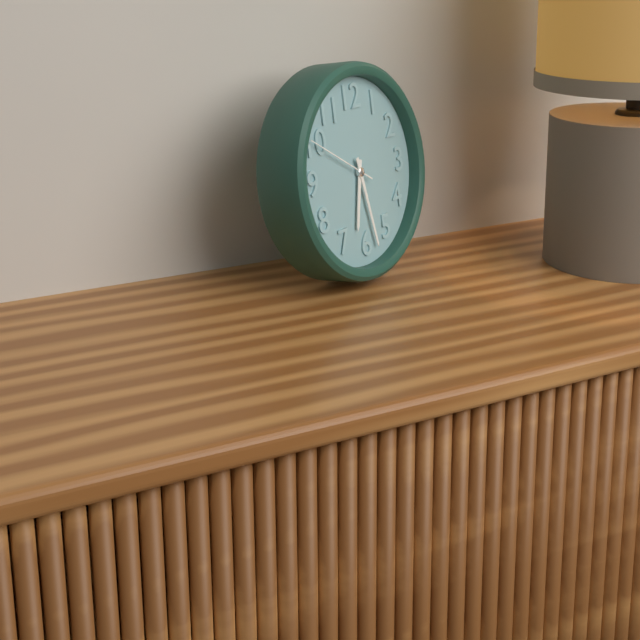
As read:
{"hour": 6, "minute": 28, "second": 50}
